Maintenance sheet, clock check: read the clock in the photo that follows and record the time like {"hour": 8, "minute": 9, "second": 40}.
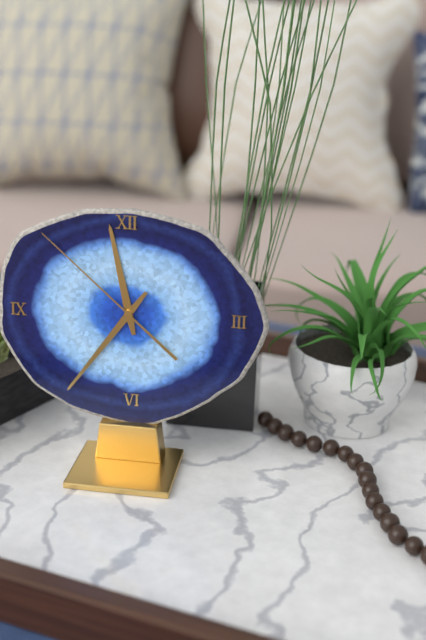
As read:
{"hour": 11, "minute": 36, "second": 52}
